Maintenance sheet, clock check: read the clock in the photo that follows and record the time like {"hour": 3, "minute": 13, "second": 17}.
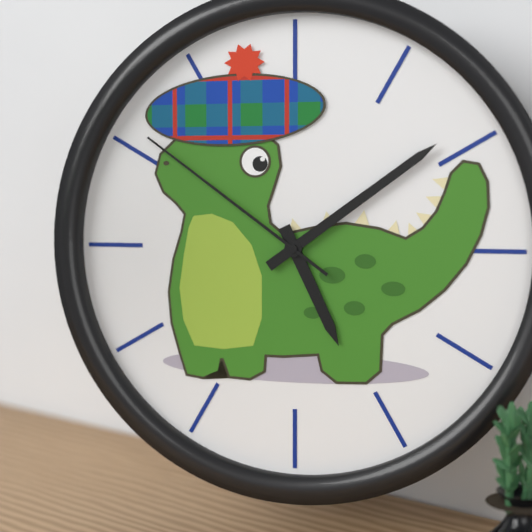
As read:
{"hour": 5, "minute": 9, "second": 51}
